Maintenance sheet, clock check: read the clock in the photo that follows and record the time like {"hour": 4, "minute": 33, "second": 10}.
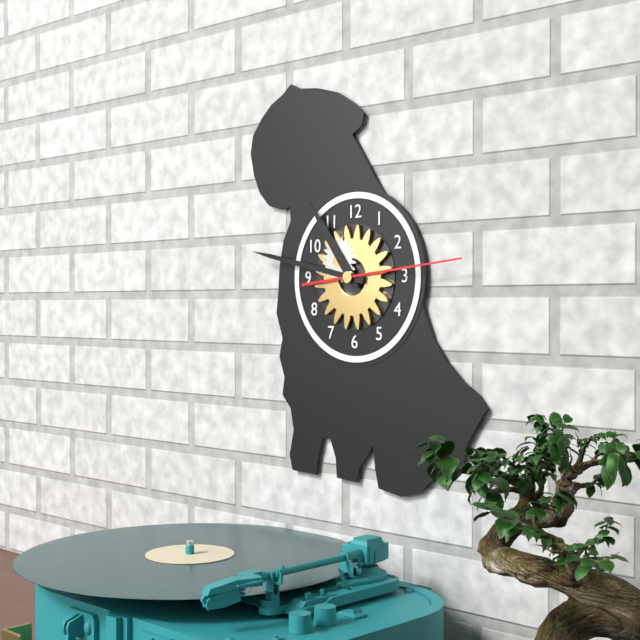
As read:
{"hour": 10, "minute": 47, "second": 14}
